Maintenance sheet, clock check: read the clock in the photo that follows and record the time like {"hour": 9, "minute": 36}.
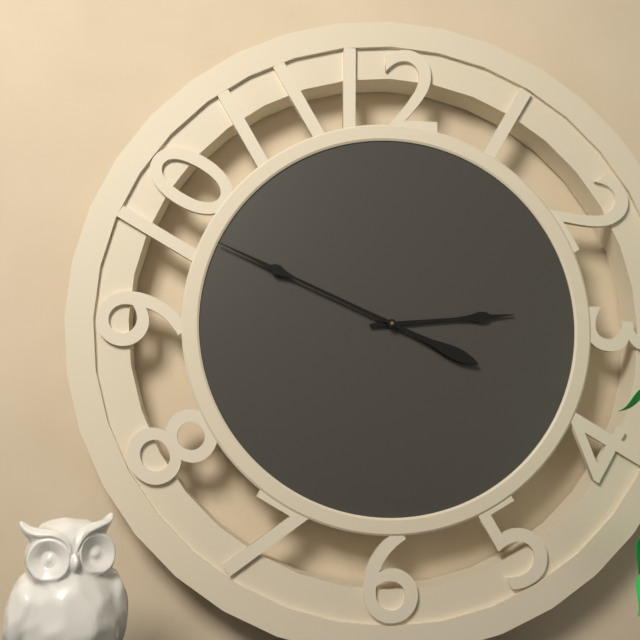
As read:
{"hour": 2, "minute": 49}
